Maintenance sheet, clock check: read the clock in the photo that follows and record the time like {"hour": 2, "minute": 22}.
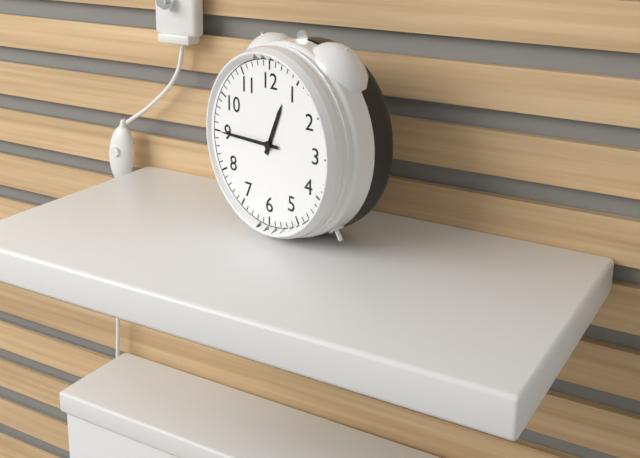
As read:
{"hour": 12, "minute": 45}
